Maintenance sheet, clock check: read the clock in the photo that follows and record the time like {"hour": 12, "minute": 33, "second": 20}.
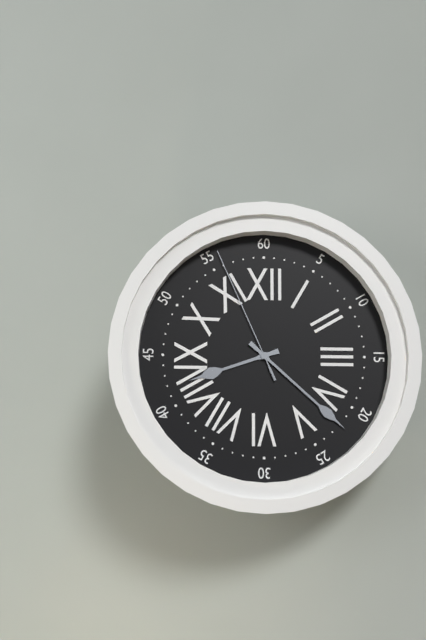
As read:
{"hour": 8, "minute": 22, "second": 56}
